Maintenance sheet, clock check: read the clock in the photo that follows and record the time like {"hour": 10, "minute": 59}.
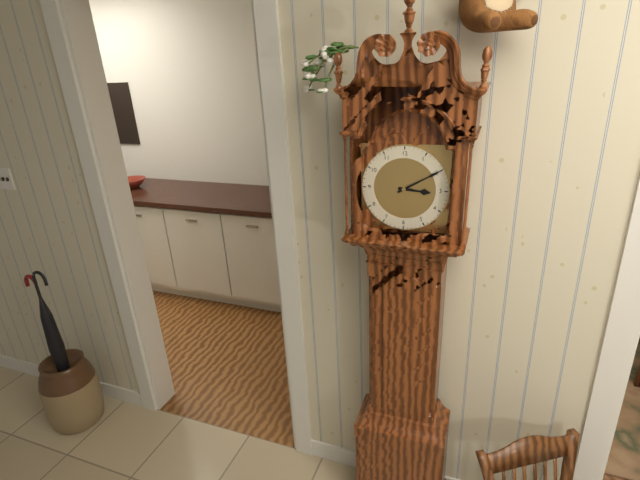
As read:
{"hour": 3, "minute": 10}
